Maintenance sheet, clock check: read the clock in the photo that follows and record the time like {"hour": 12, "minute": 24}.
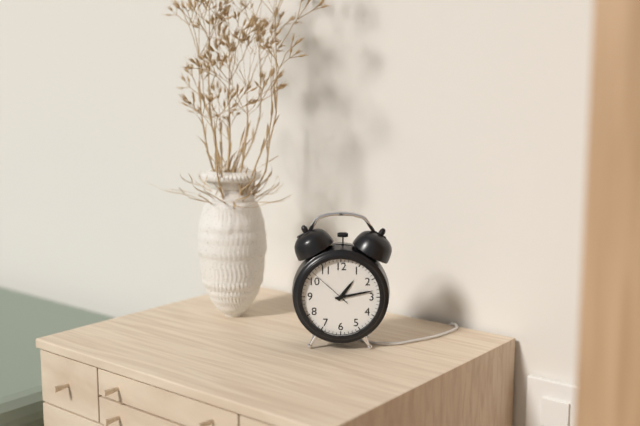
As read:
{"hour": 1, "minute": 13}
